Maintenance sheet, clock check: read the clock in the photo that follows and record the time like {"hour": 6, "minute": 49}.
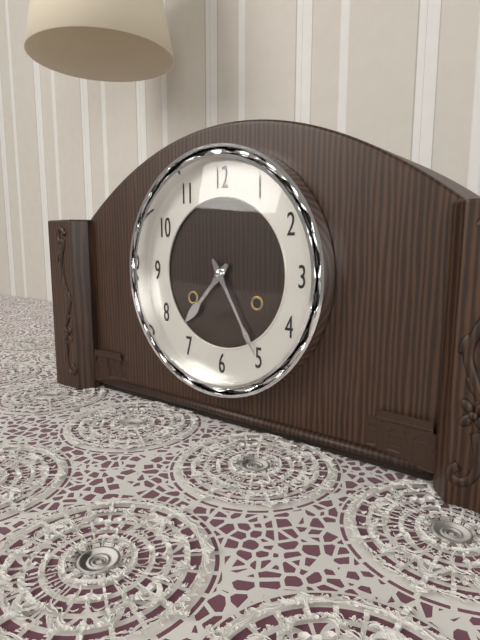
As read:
{"hour": 7, "minute": 25}
